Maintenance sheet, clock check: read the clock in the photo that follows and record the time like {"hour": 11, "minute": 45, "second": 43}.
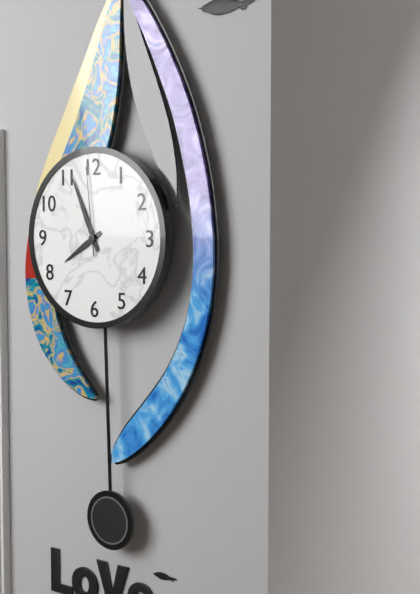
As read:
{"hour": 7, "minute": 56, "second": 59}
